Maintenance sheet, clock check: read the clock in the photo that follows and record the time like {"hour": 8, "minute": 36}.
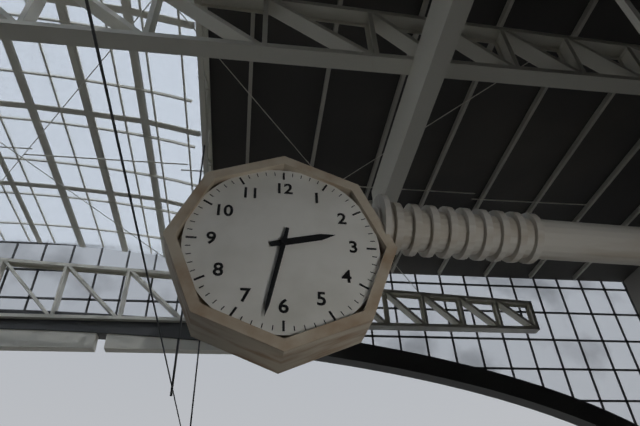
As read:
{"hour": 2, "minute": 32}
